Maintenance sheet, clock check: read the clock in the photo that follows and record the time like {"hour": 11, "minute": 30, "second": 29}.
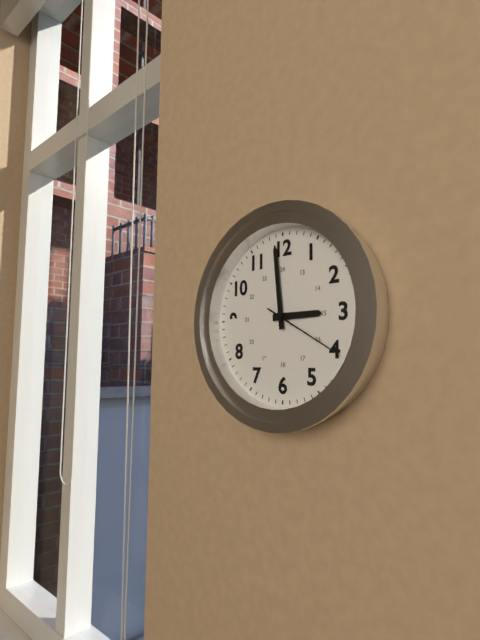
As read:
{"hour": 2, "minute": 59, "second": 20}
